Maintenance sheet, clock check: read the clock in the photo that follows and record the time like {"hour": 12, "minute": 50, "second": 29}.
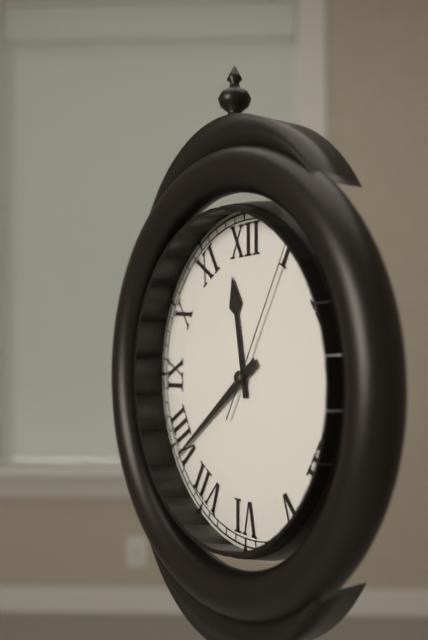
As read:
{"hour": 11, "minute": 39, "second": 5}
